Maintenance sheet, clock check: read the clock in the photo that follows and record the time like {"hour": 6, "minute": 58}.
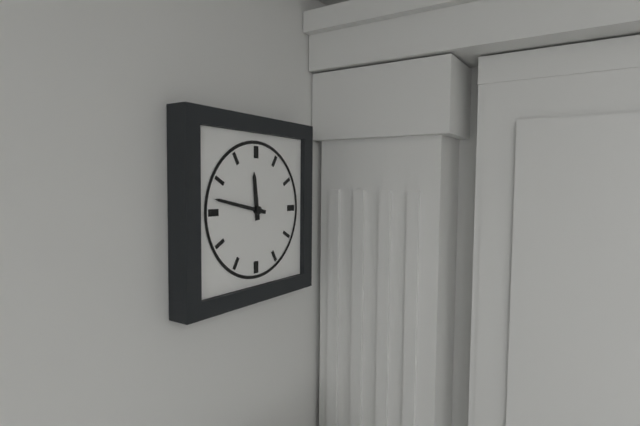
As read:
{"hour": 11, "minute": 47}
